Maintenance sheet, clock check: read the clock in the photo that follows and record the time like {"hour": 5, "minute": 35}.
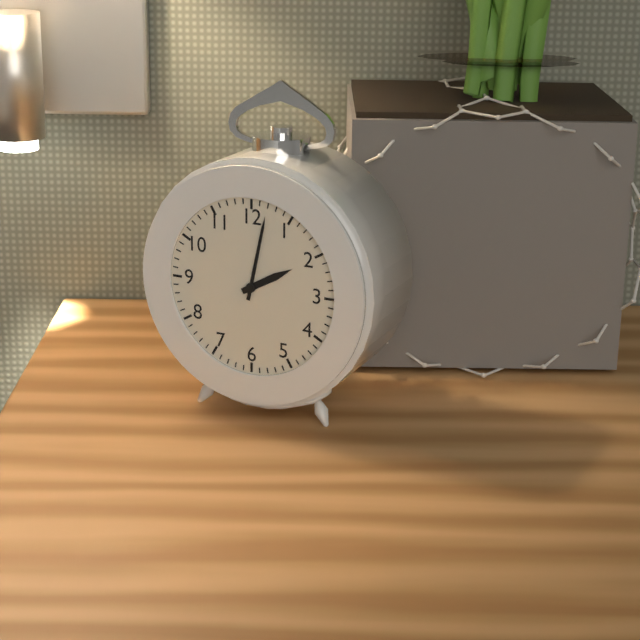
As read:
{"hour": 2, "minute": 2}
